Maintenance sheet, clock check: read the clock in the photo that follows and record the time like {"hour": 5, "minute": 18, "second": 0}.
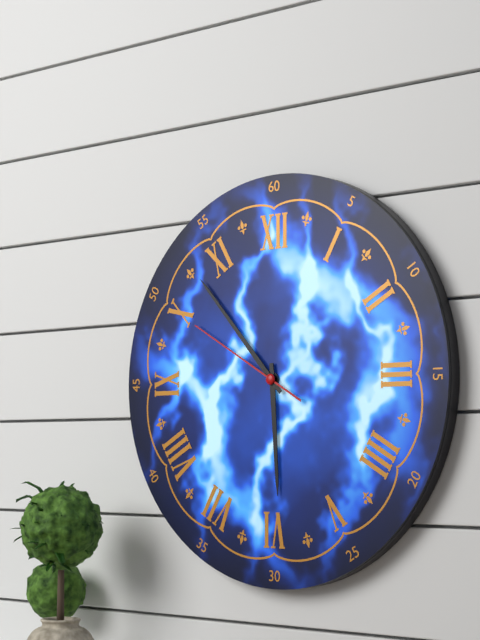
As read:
{"hour": 5, "minute": 53, "second": 50}
